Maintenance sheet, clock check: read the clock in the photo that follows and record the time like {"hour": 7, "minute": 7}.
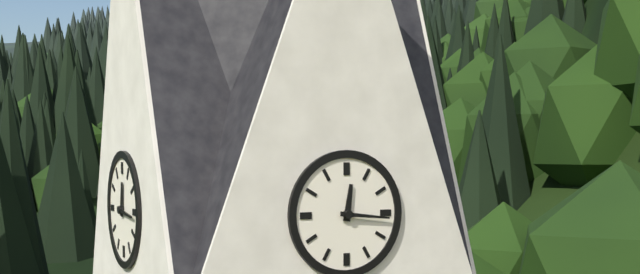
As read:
{"hour": 12, "minute": 16}
